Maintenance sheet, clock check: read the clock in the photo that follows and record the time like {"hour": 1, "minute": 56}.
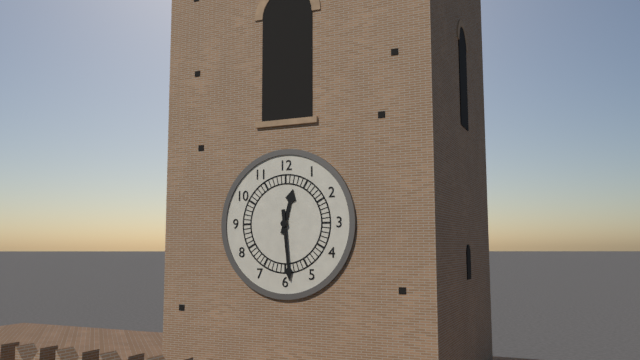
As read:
{"hour": 12, "minute": 29}
